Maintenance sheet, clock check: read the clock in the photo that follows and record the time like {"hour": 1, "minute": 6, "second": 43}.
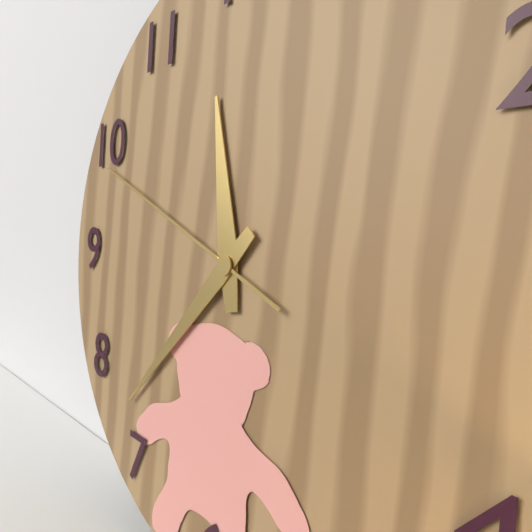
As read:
{"hour": 11, "minute": 37, "second": 49}
